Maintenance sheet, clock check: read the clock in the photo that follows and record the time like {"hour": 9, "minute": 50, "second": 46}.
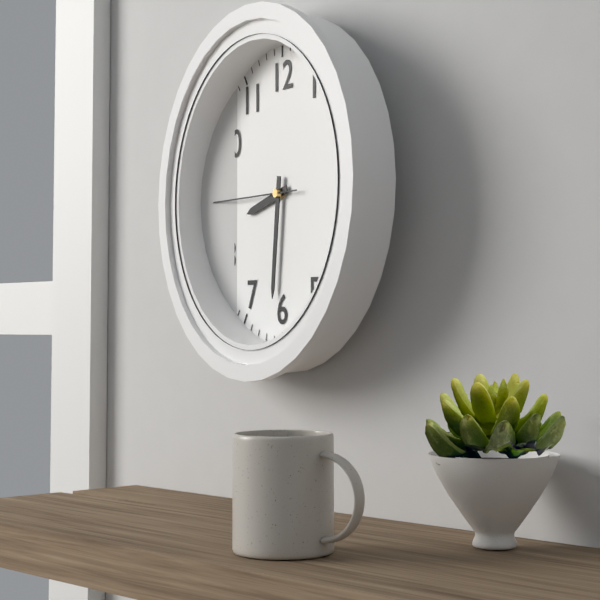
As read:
{"hour": 8, "minute": 31, "second": 45}
